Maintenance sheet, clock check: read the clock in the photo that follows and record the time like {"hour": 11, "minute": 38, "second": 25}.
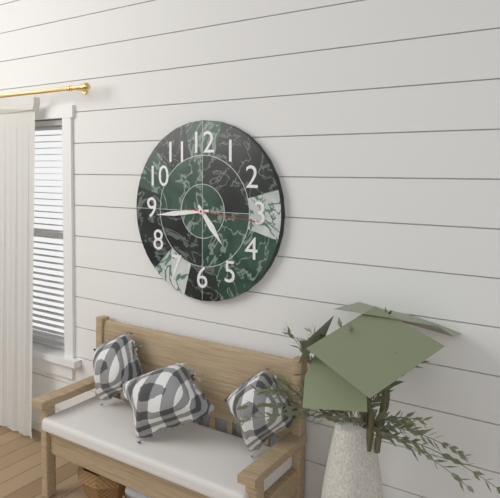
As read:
{"hour": 4, "minute": 44, "second": 16}
